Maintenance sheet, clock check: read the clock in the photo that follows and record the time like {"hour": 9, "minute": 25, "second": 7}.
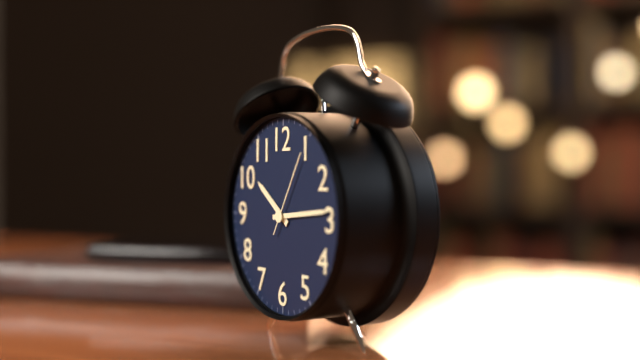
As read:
{"hour": 10, "minute": 14, "second": 5}
